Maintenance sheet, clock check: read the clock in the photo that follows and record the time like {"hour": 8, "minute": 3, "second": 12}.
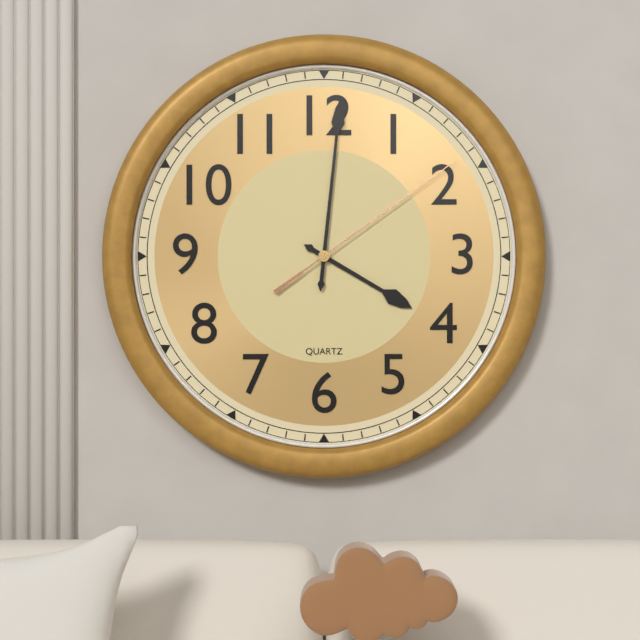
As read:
{"hour": 4, "minute": 1, "second": 9}
